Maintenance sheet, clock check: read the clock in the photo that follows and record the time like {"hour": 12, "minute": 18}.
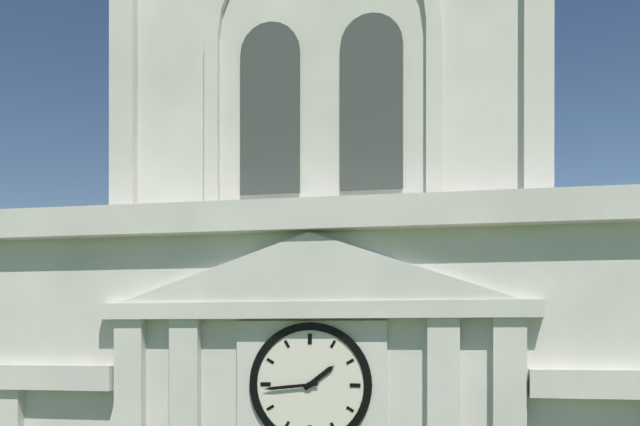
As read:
{"hour": 1, "minute": 44}
